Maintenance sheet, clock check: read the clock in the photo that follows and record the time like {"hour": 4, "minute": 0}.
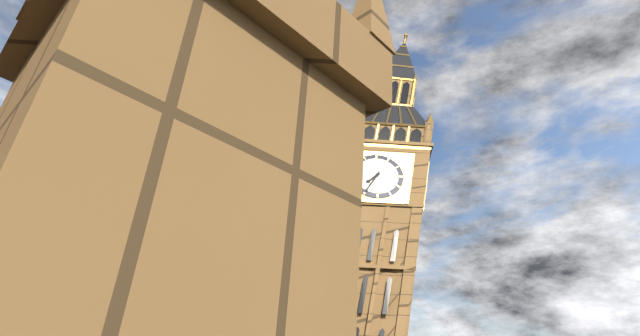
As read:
{"hour": 7, "minute": 35}
